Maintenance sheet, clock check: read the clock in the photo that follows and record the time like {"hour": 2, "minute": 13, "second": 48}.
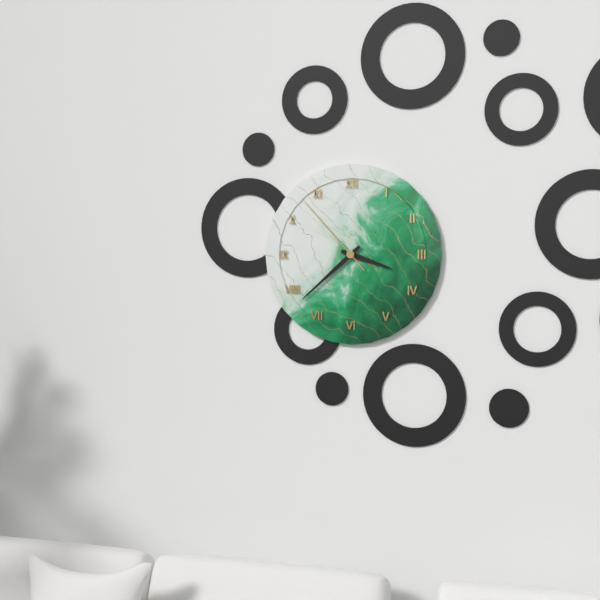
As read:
{"hour": 3, "minute": 38, "second": 53}
